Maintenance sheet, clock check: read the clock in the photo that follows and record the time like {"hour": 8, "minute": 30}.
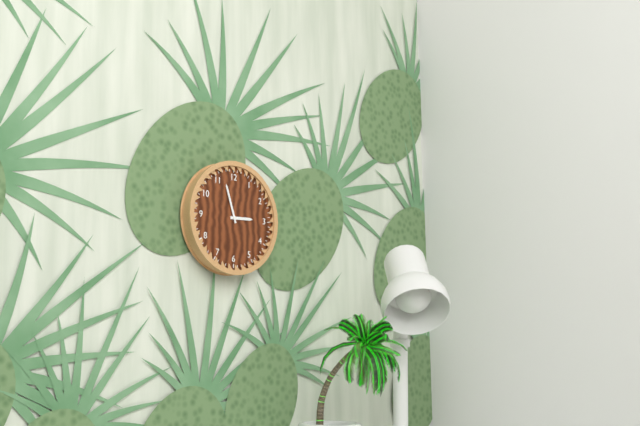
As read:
{"hour": 2, "minute": 57}
